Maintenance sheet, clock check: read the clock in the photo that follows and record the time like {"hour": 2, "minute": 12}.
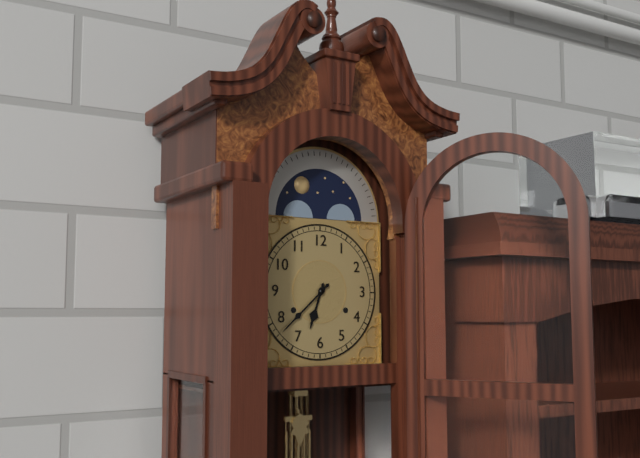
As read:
{"hour": 6, "minute": 38}
